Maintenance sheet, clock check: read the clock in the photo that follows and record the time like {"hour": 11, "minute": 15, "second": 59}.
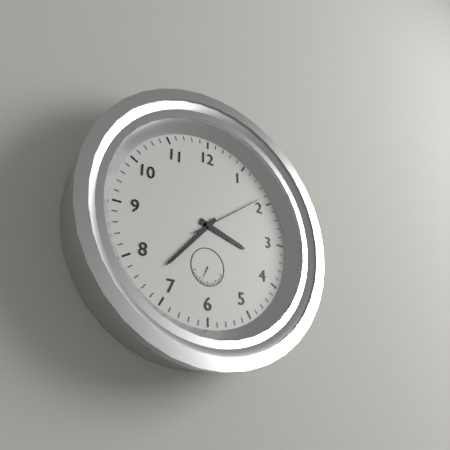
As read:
{"hour": 3, "minute": 37, "second": 9}
